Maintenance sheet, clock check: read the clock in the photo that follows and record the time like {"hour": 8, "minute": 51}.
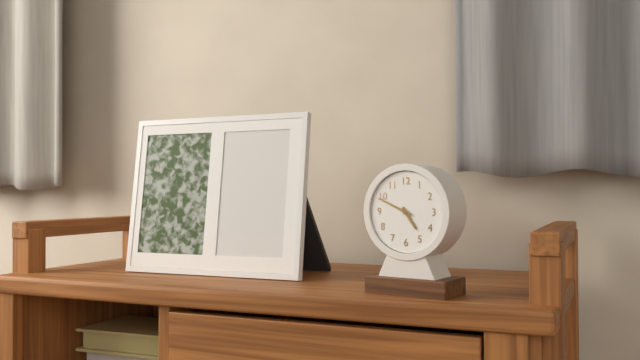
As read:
{"hour": 4, "minute": 49}
